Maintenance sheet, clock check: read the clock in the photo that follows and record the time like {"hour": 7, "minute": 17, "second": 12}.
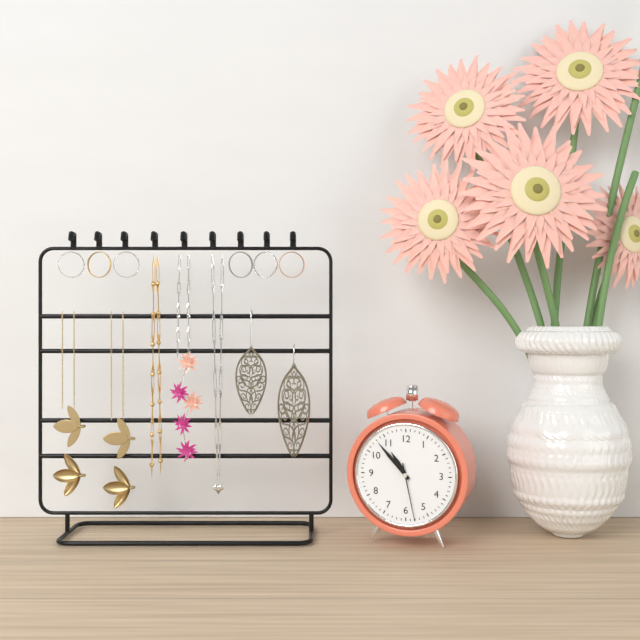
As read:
{"hour": 10, "minute": 53, "second": 28}
